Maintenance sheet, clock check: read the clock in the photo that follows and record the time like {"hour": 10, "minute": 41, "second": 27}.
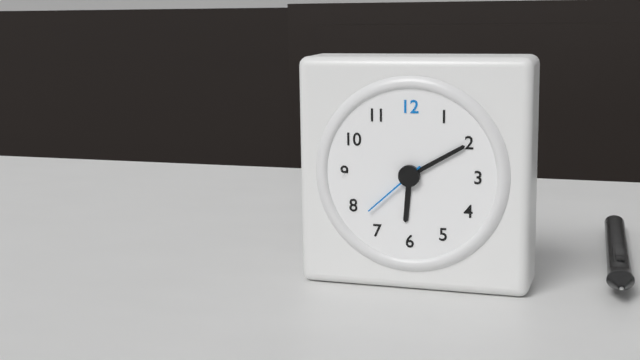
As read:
{"hour": 6, "minute": 10, "second": 38}
